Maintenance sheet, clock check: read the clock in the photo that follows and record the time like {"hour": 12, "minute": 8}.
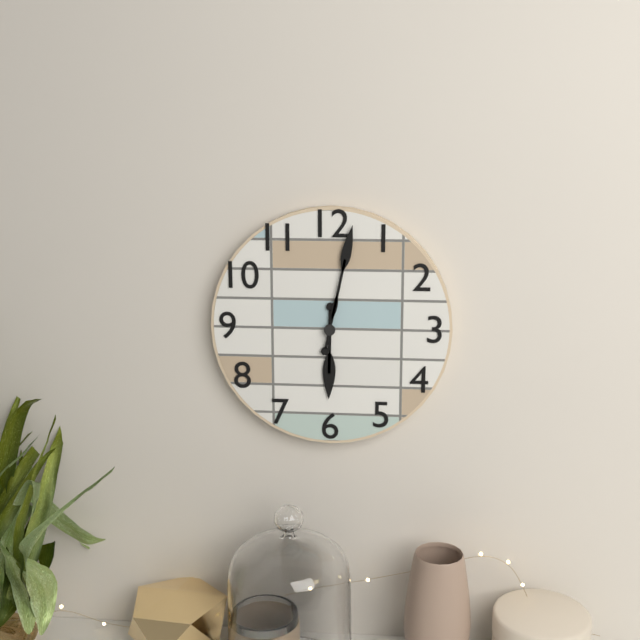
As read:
{"hour": 6, "minute": 2}
